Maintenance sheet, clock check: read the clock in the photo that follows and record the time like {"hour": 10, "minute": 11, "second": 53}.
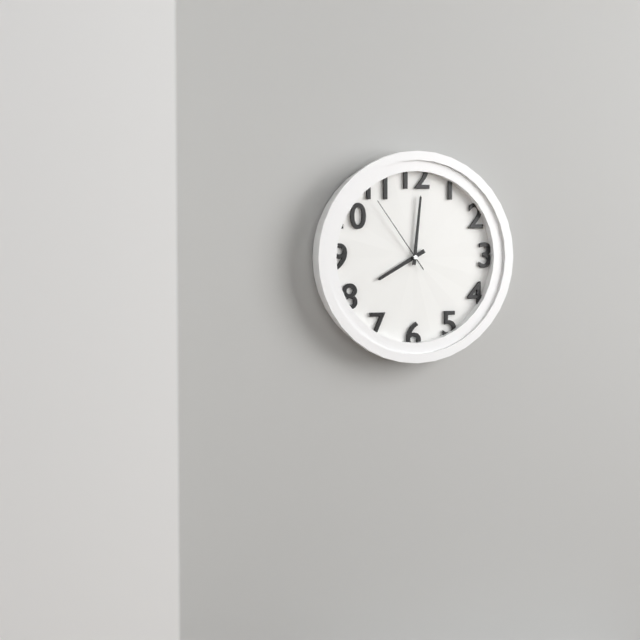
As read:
{"hour": 8, "minute": 1, "second": 54}
